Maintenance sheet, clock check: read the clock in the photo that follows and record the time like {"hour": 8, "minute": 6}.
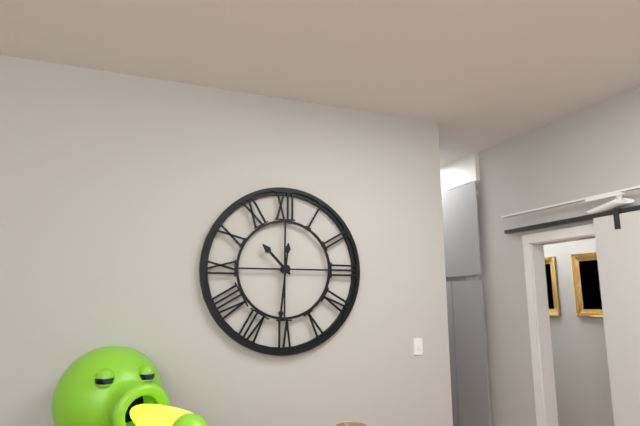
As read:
{"hour": 10, "minute": 31}
